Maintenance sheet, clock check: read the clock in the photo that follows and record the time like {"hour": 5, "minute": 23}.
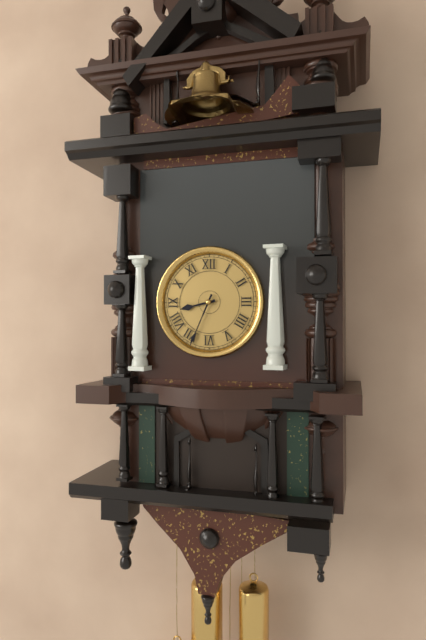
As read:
{"hour": 8, "minute": 34}
